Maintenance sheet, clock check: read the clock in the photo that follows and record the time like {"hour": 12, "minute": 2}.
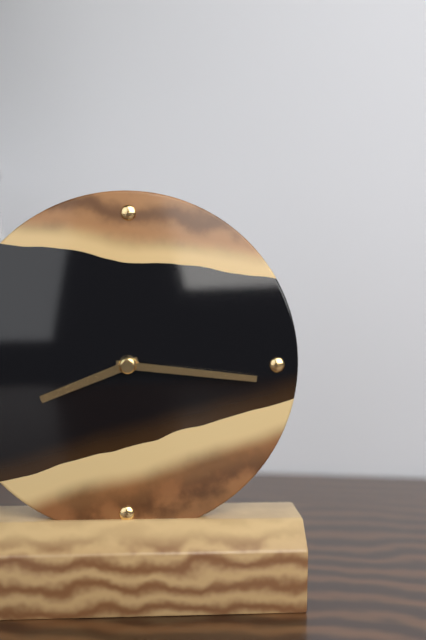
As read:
{"hour": 8, "minute": 16}
